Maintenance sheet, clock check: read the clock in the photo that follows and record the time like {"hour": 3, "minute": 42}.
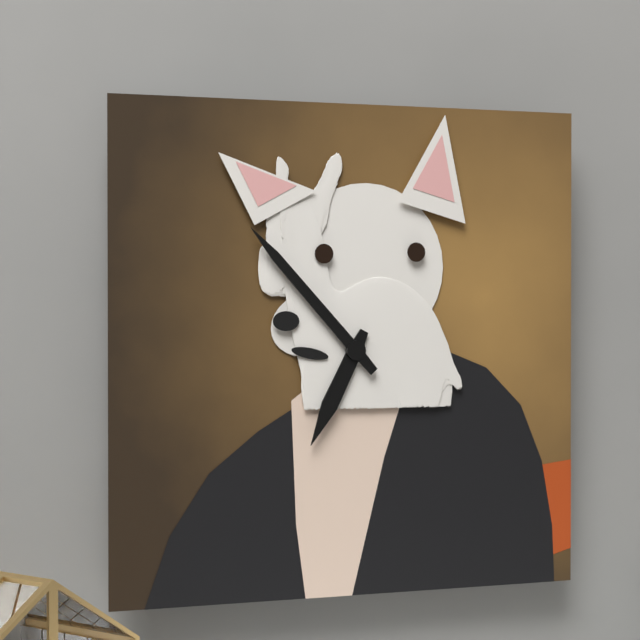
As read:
{"hour": 6, "minute": 53}
